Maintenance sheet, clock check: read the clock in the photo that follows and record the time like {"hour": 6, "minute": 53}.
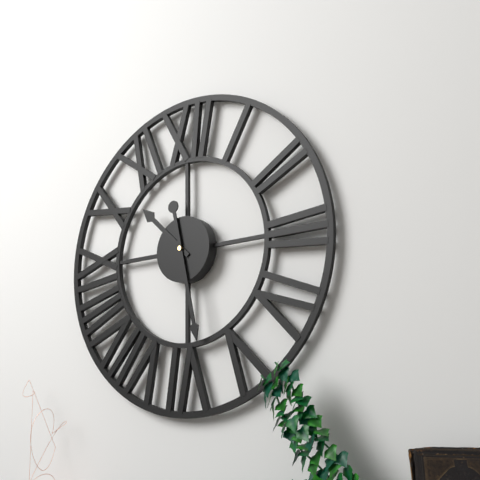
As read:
{"hour": 10, "minute": 28}
